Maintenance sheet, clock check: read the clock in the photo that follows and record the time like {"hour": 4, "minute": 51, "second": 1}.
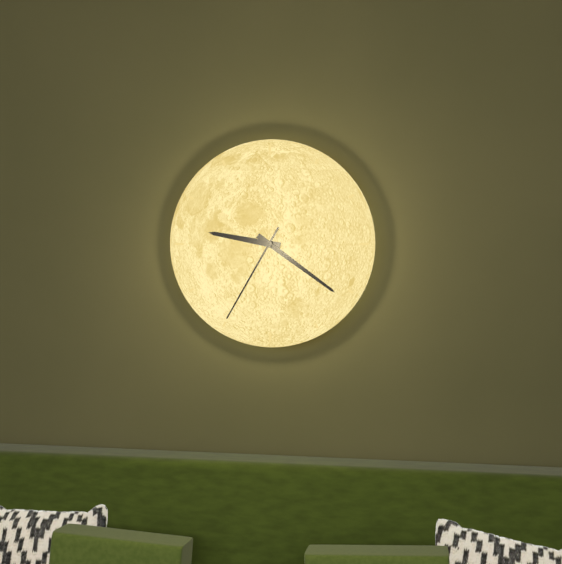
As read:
{"hour": 9, "minute": 21, "second": 35}
